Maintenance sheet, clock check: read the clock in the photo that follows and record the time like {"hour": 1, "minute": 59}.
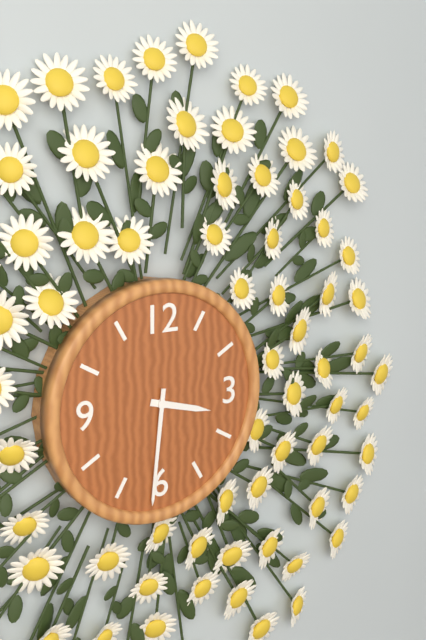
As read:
{"hour": 3, "minute": 31}
